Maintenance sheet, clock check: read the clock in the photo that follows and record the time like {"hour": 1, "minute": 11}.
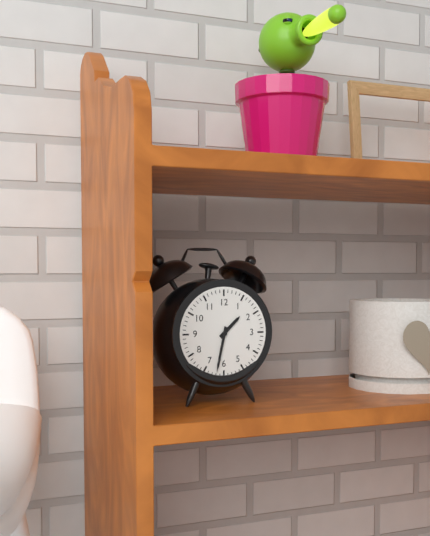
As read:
{"hour": 1, "minute": 32}
